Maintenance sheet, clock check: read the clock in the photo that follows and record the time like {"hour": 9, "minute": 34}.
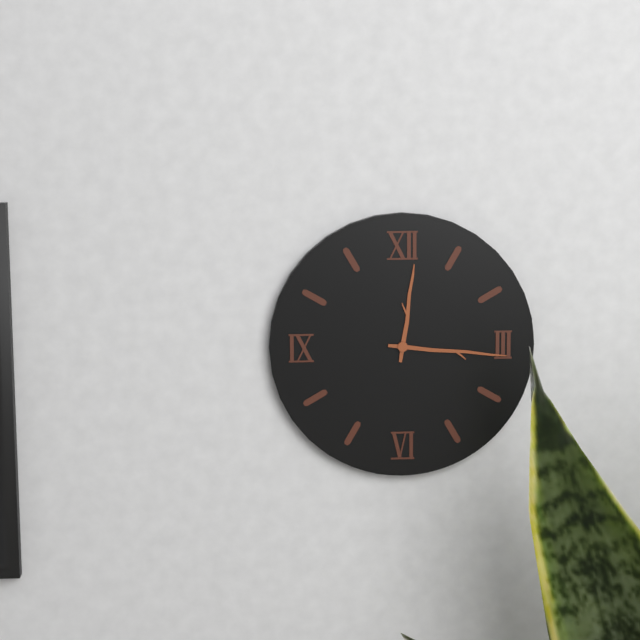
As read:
{"hour": 12, "minute": 16}
